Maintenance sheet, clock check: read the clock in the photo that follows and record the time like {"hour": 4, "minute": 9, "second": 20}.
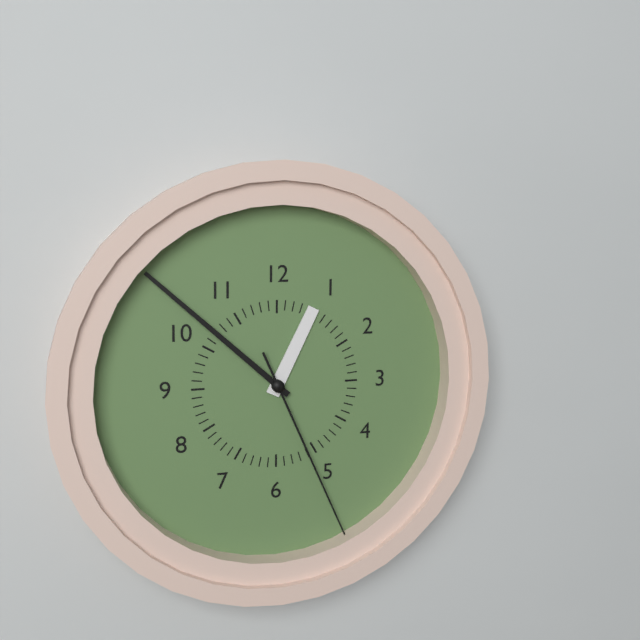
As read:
{"hour": 12, "minute": 52, "second": 26}
